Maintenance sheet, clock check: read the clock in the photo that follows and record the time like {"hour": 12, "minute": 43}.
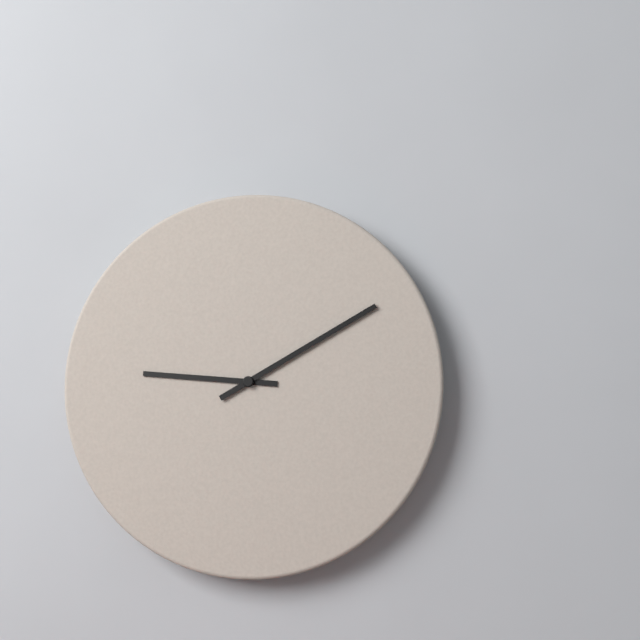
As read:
{"hour": 9, "minute": 10}
